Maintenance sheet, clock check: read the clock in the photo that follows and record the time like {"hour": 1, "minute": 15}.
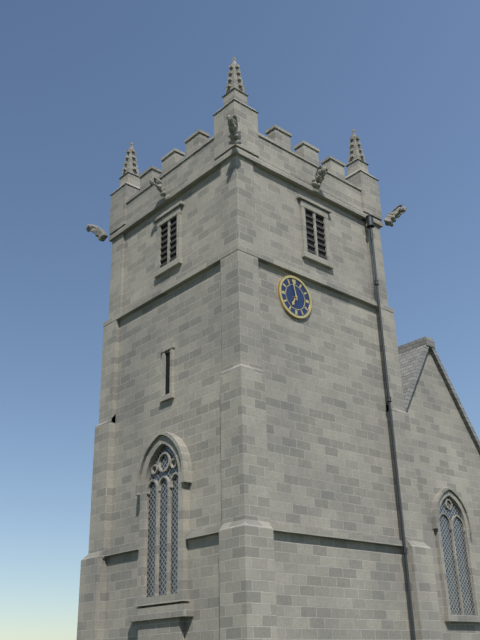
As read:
{"hour": 6, "minute": 58}
